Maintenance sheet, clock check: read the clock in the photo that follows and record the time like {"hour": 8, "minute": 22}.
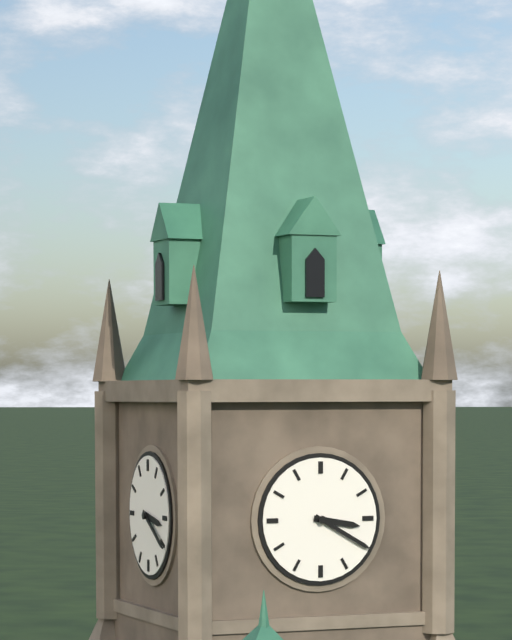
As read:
{"hour": 3, "minute": 20}
